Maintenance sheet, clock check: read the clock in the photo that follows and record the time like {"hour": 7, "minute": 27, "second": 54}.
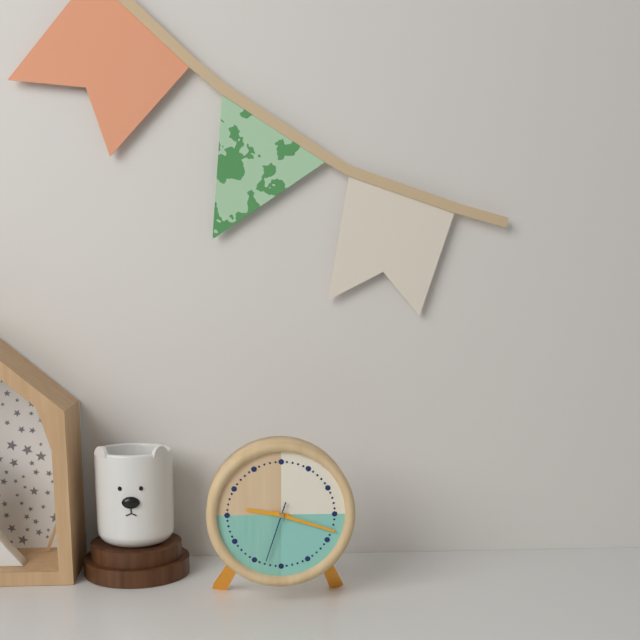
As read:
{"hour": 9, "minute": 18, "second": 33}
